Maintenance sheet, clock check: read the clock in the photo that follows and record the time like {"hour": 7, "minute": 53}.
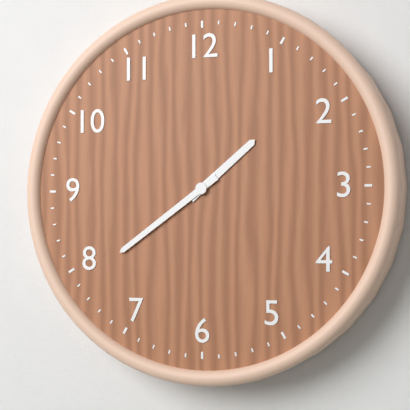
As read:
{"hour": 1, "minute": 39}
